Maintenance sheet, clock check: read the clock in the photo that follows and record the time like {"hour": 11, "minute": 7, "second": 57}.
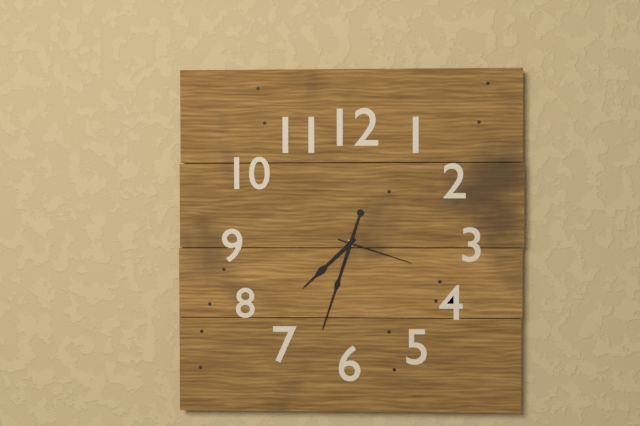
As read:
{"hour": 7, "minute": 33, "second": 18}
